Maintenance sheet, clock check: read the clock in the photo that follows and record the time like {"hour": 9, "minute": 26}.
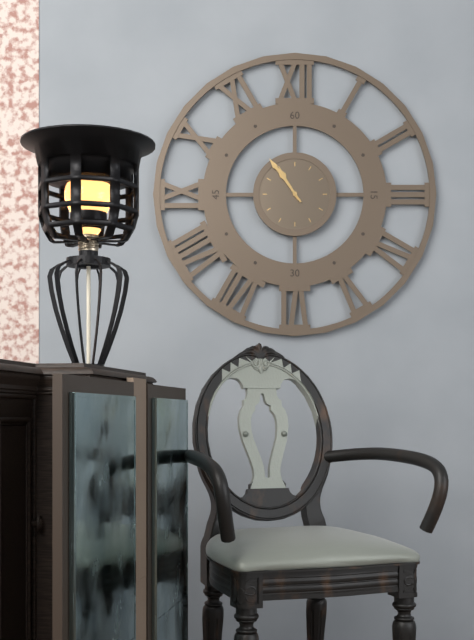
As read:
{"hour": 10, "minute": 54}
